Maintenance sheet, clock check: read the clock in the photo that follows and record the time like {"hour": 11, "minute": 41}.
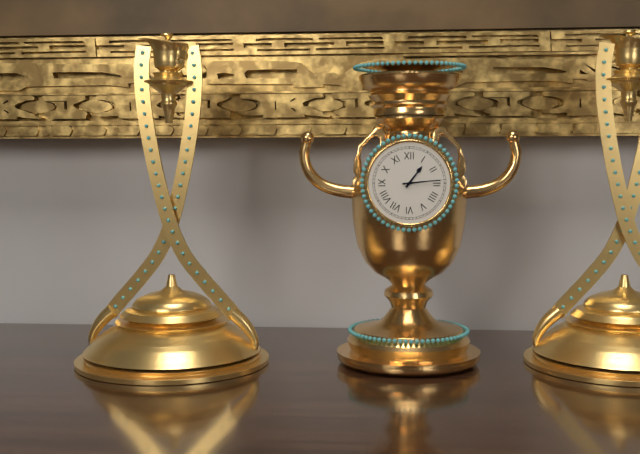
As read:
{"hour": 1, "minute": 14}
